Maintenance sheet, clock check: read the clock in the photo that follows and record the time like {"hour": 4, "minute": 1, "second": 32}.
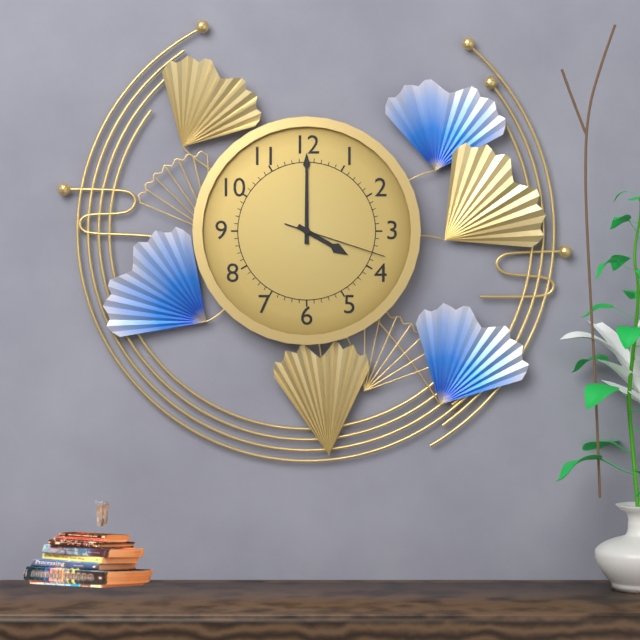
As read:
{"hour": 4, "minute": 0, "second": 18}
